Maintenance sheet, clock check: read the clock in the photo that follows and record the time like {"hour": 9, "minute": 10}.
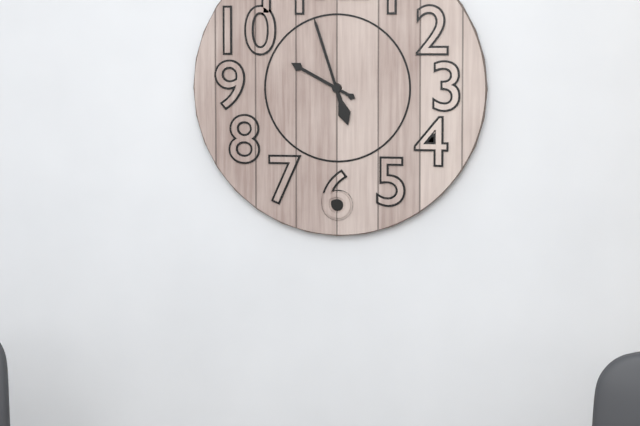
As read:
{"hour": 9, "minute": 57}
